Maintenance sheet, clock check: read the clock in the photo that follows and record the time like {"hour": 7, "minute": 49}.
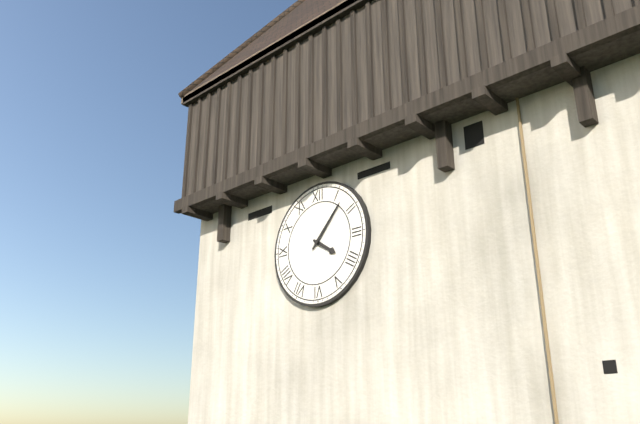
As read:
{"hour": 4, "minute": 7}
